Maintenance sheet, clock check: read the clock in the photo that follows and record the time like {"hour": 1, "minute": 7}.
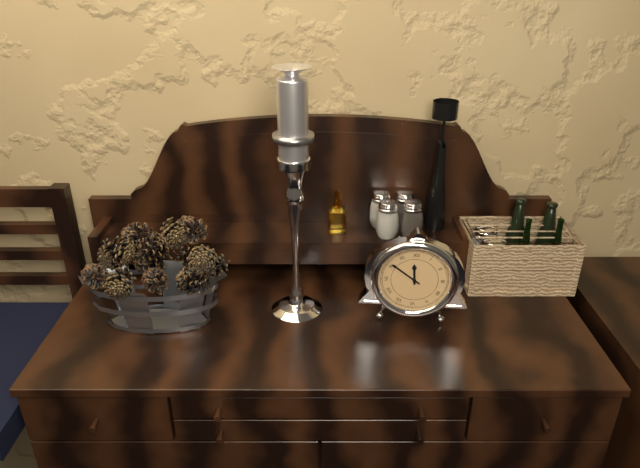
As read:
{"hour": 11, "minute": 51}
